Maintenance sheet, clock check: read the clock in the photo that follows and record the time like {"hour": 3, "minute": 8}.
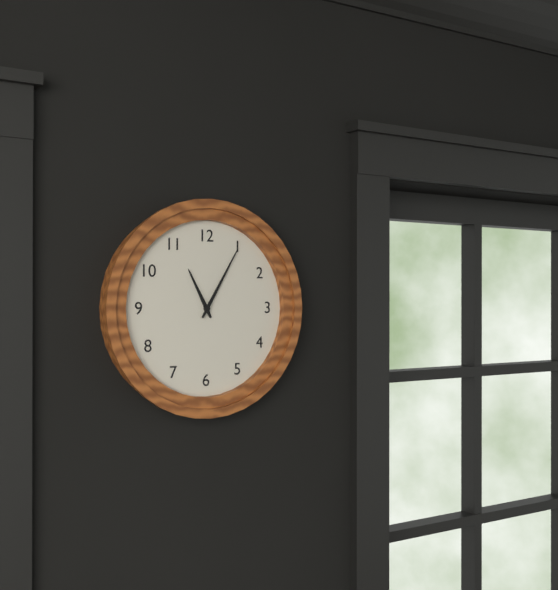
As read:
{"hour": 11, "minute": 5}
